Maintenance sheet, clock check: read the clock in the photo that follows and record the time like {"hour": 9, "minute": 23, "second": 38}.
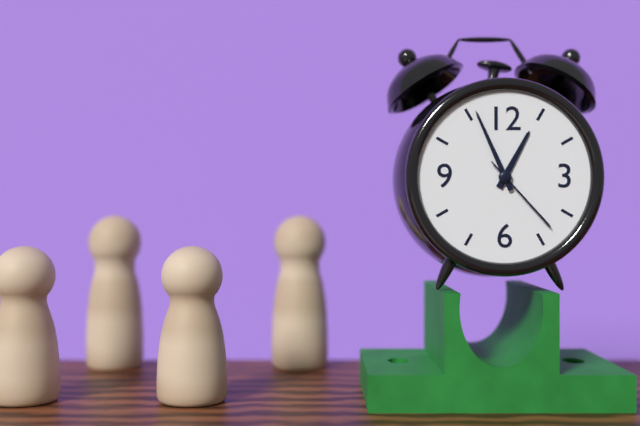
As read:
{"hour": 12, "minute": 56, "second": 23}
